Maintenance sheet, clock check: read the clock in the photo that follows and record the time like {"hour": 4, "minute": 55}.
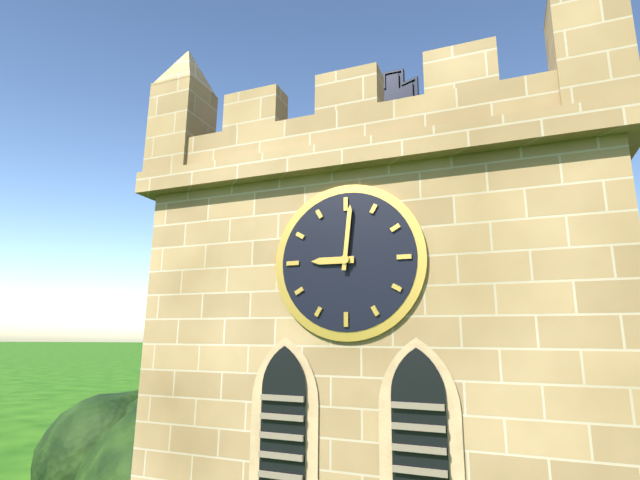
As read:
{"hour": 9, "minute": 1}
